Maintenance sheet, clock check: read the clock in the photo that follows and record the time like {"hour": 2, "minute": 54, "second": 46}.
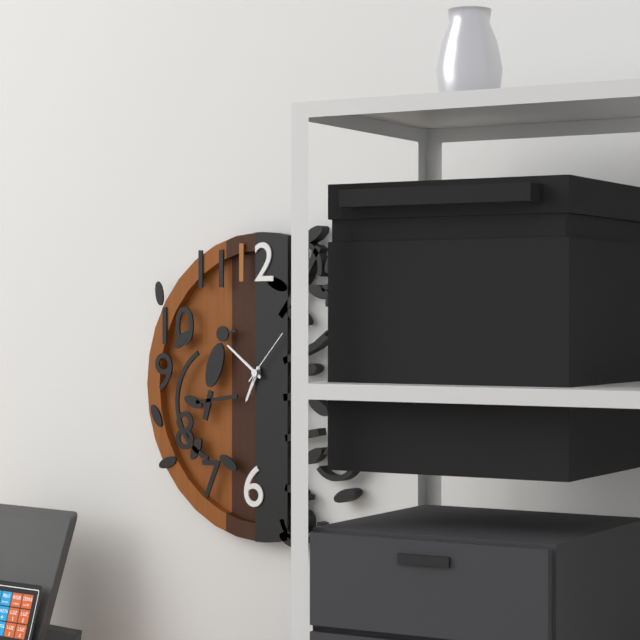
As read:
{"hour": 6, "minute": 51, "second": 7}
